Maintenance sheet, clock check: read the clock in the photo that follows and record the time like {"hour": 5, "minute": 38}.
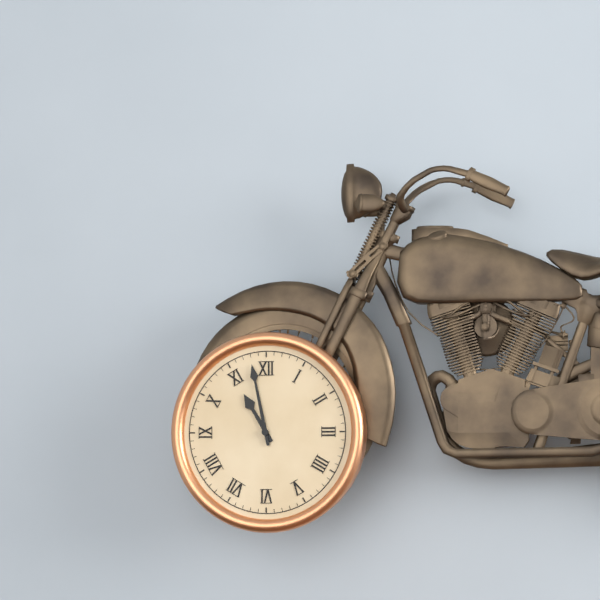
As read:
{"hour": 10, "minute": 58}
